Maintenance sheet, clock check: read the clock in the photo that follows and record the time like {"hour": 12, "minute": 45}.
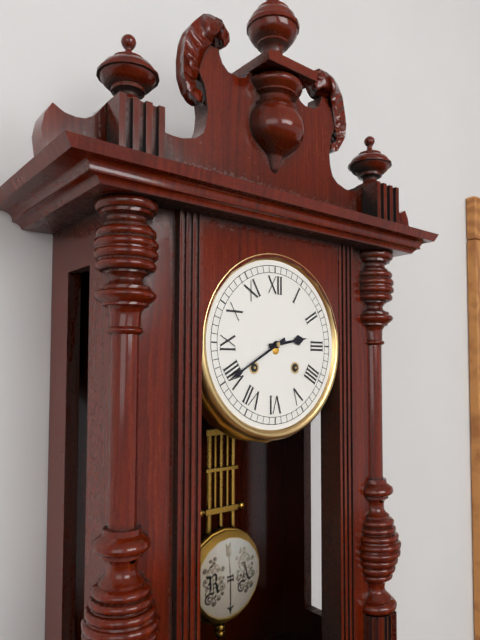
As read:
{"hour": 2, "minute": 40}
